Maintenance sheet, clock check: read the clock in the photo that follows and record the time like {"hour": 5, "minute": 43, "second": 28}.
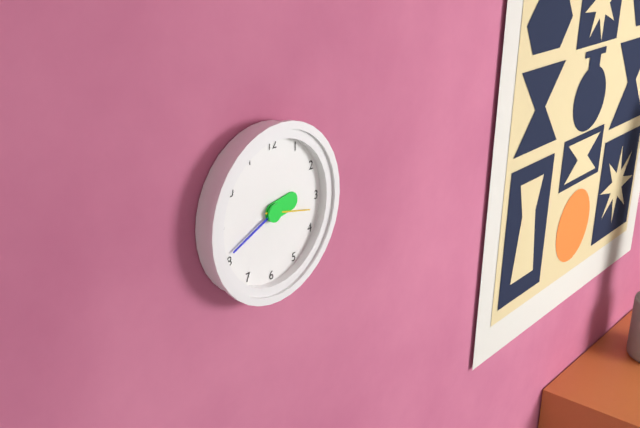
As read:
{"hour": 2, "minute": 41, "second": 17}
